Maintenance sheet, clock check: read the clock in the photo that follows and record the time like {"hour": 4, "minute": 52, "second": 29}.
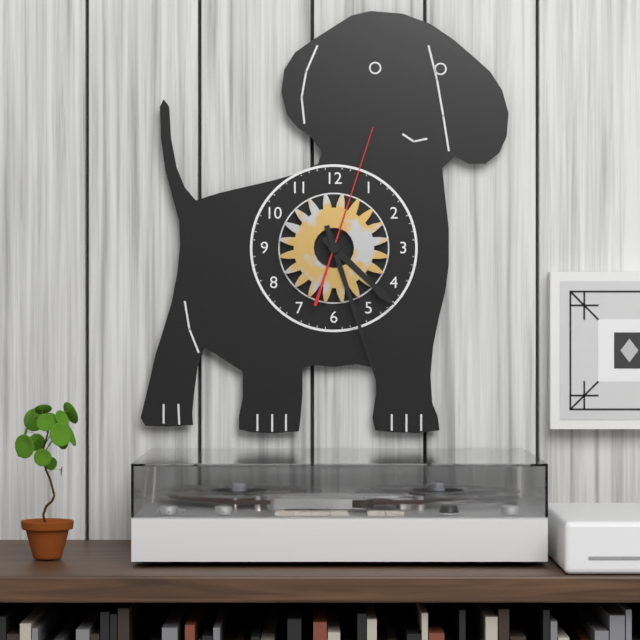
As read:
{"hour": 4, "minute": 27, "second": 3}
